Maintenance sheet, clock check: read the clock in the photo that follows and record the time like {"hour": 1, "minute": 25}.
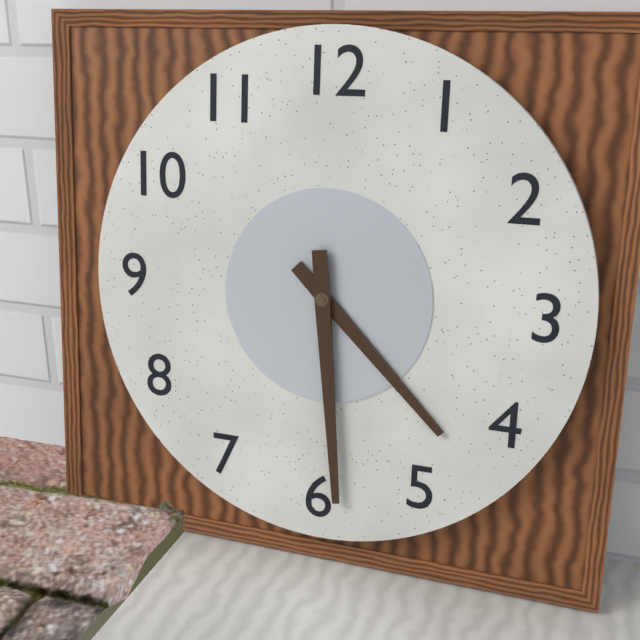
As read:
{"hour": 4, "minute": 29}
